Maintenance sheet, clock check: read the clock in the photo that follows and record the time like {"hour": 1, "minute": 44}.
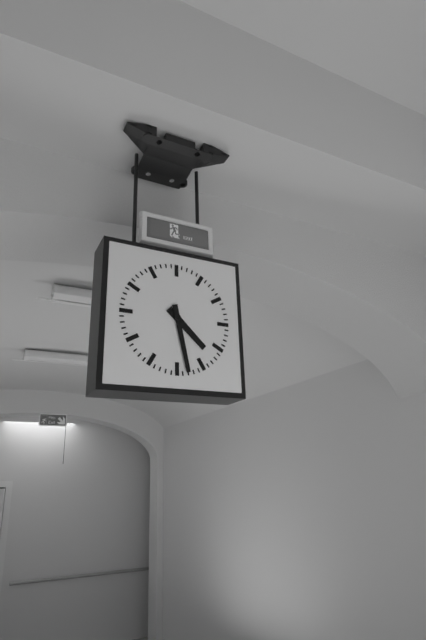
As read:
{"hour": 4, "minute": 28}
